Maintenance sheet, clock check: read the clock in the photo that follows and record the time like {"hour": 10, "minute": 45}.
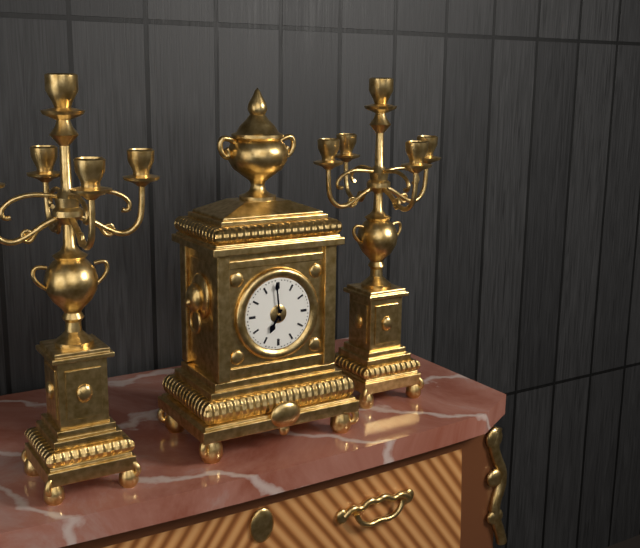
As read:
{"hour": 6, "minute": 59}
